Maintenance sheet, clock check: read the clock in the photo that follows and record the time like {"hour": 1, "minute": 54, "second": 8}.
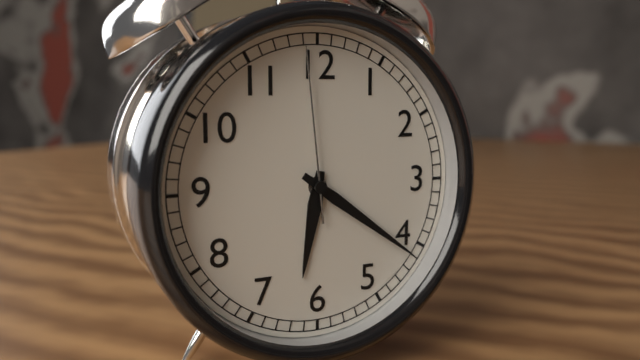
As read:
{"hour": 6, "minute": 21, "second": 59}
